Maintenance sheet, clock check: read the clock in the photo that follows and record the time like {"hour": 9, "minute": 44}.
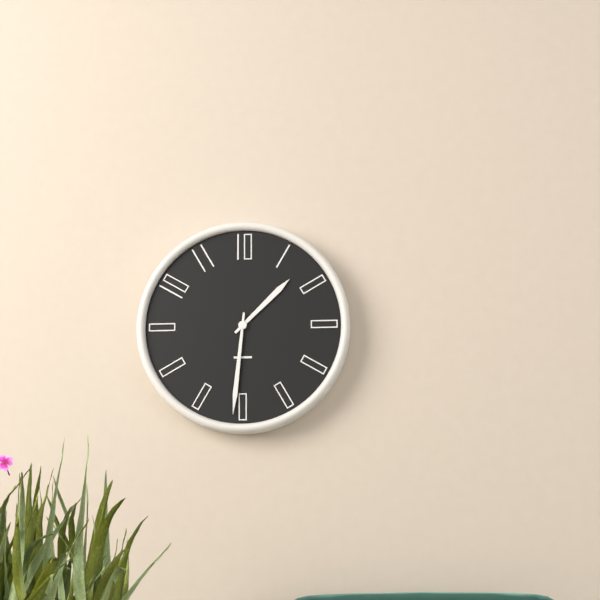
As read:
{"hour": 1, "minute": 31}
